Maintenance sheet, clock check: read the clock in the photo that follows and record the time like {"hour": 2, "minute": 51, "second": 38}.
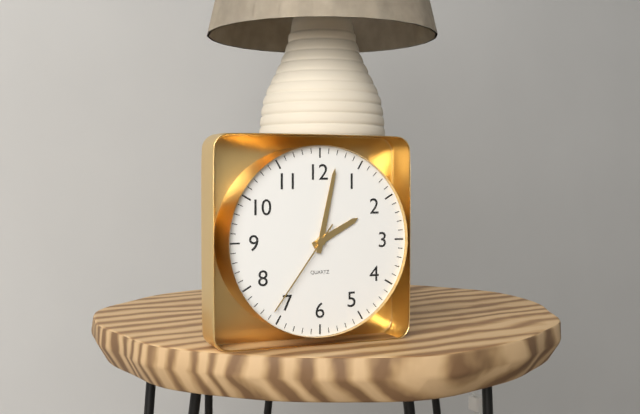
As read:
{"hour": 2, "minute": 2, "second": 36}
